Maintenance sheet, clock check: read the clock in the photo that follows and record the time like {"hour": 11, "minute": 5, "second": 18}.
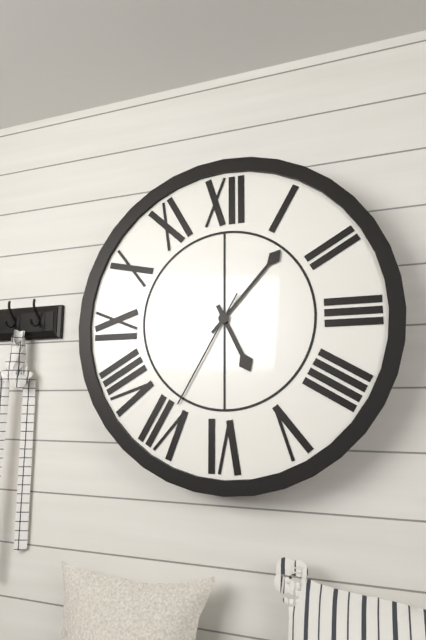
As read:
{"hour": 5, "minute": 7, "second": 35}
